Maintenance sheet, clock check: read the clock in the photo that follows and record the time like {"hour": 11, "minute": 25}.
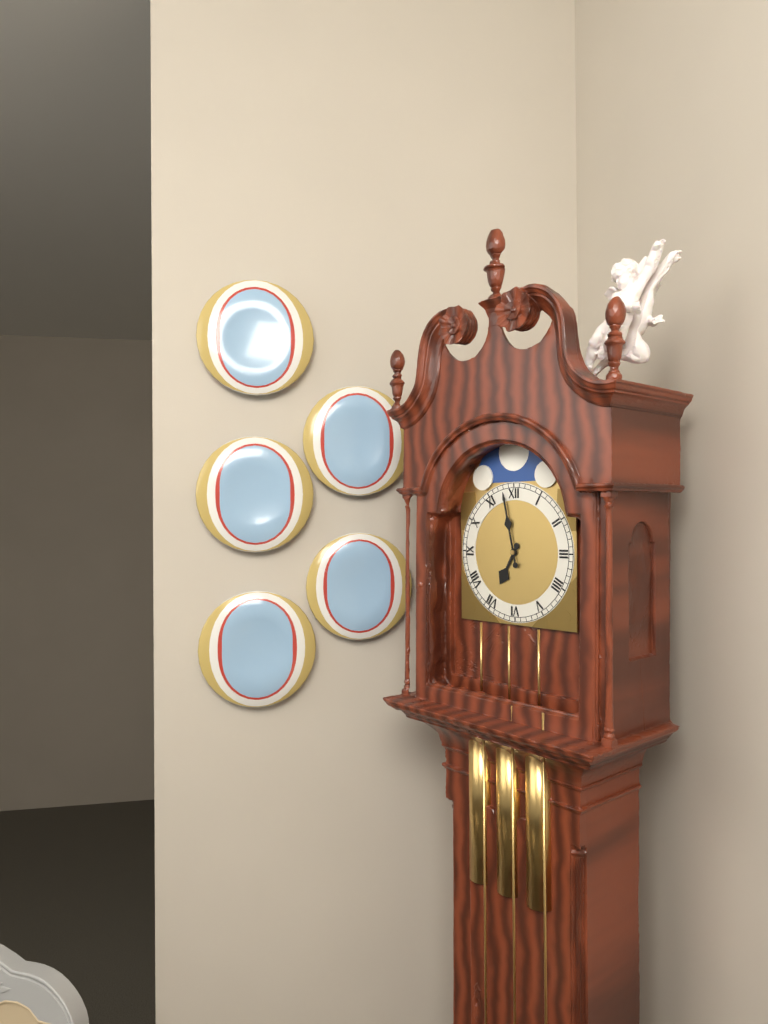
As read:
{"hour": 6, "minute": 58}
